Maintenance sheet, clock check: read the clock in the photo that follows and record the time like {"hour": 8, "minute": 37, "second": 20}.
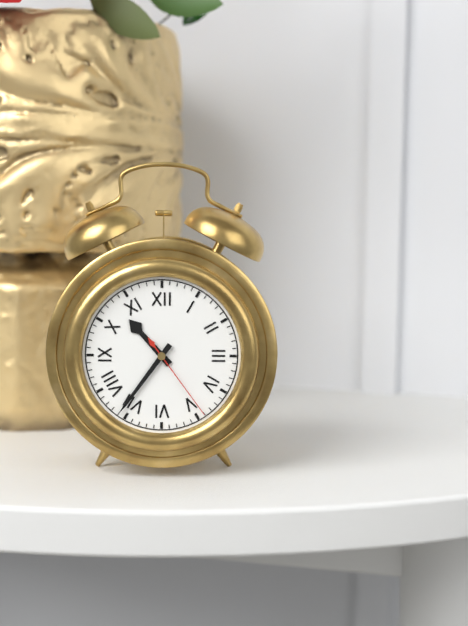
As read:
{"hour": 10, "minute": 36, "second": 24}
